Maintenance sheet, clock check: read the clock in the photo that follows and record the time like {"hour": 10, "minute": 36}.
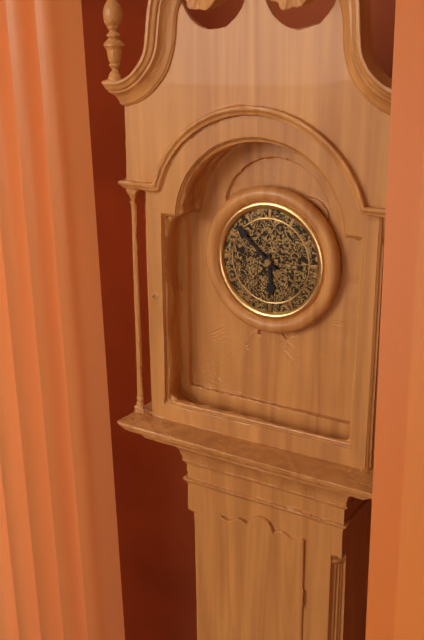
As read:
{"hour": 5, "minute": 52}
